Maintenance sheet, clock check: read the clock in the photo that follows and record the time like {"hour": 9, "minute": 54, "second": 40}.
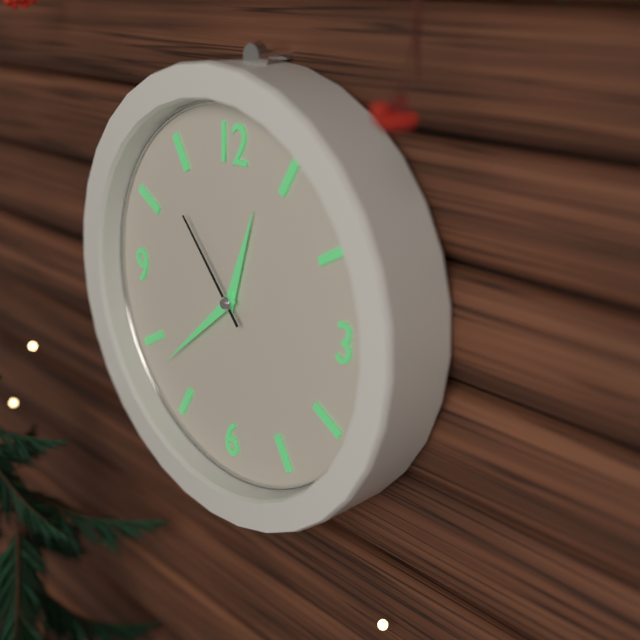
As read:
{"hour": 12, "minute": 38, "second": 53}
